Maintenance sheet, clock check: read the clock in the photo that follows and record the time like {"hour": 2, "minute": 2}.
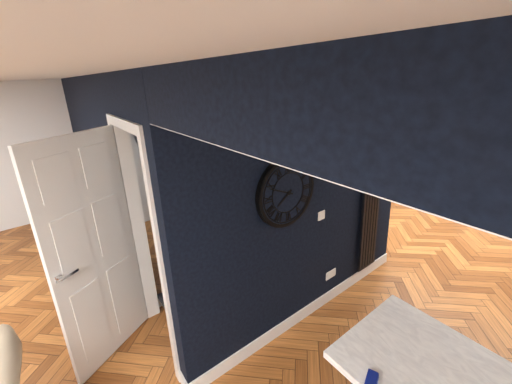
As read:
{"hour": 7, "minute": 49}
